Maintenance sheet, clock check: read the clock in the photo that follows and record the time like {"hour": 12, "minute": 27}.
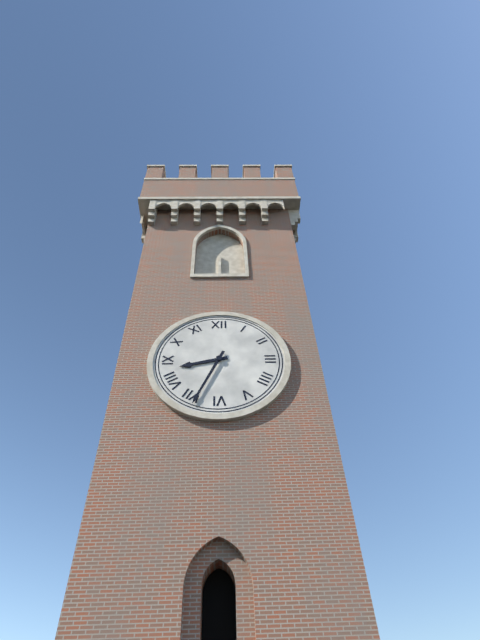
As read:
{"hour": 8, "minute": 34}
